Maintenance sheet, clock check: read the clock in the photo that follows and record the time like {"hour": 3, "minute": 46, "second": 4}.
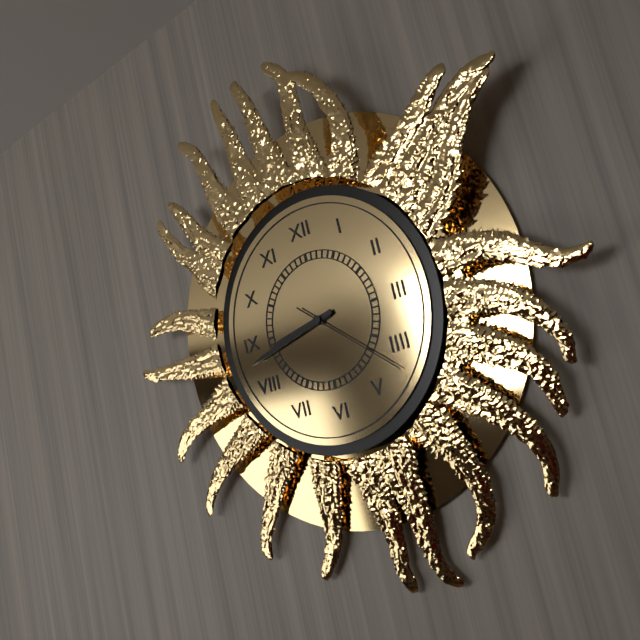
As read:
{"hour": 8, "minute": 43, "second": 22}
